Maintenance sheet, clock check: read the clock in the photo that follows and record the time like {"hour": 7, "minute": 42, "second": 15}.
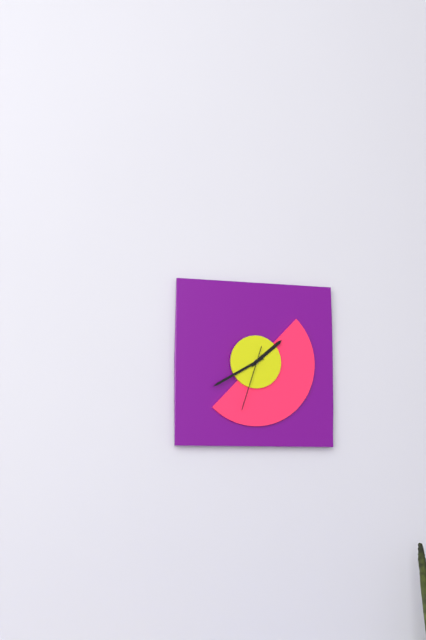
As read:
{"hour": 1, "minute": 40, "second": 33}
